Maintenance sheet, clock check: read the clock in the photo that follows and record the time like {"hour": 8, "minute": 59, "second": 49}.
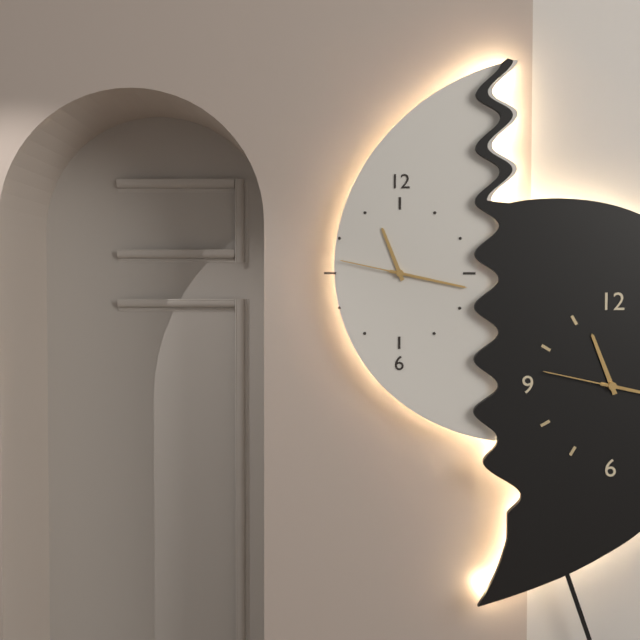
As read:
{"hour": 11, "minute": 17, "second": 47}
